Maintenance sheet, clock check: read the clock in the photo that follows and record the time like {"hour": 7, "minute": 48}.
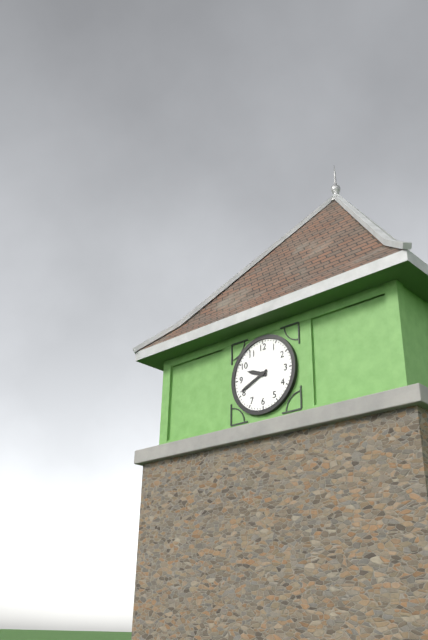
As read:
{"hour": 9, "minute": 41}
